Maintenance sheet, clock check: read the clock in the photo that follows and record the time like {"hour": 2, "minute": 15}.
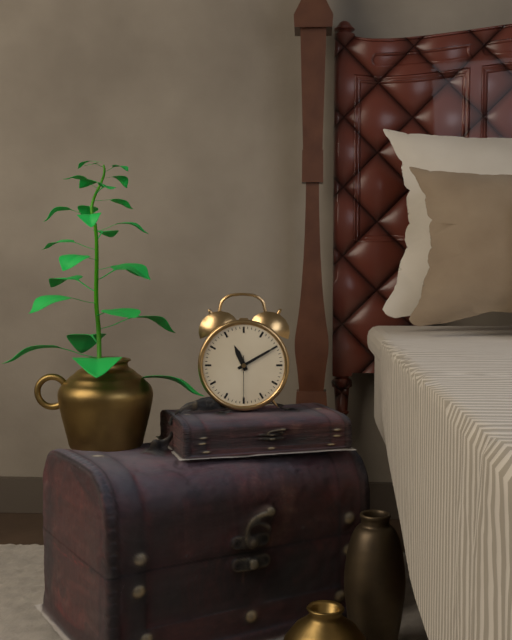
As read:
{"hour": 11, "minute": 10}
